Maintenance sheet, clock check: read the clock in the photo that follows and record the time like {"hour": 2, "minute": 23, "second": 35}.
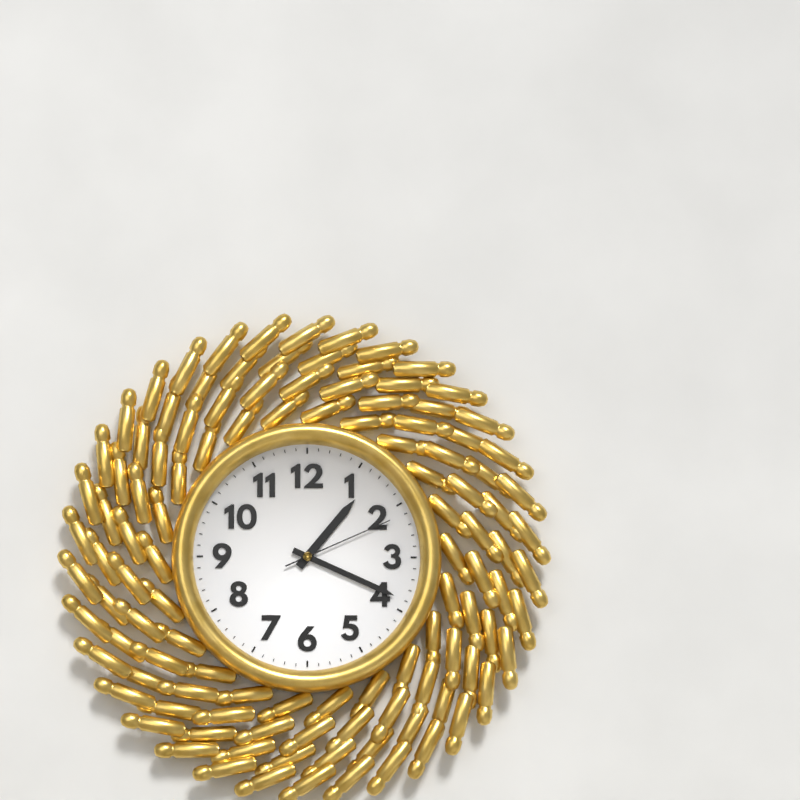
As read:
{"hour": 1, "minute": 19, "second": 11}
